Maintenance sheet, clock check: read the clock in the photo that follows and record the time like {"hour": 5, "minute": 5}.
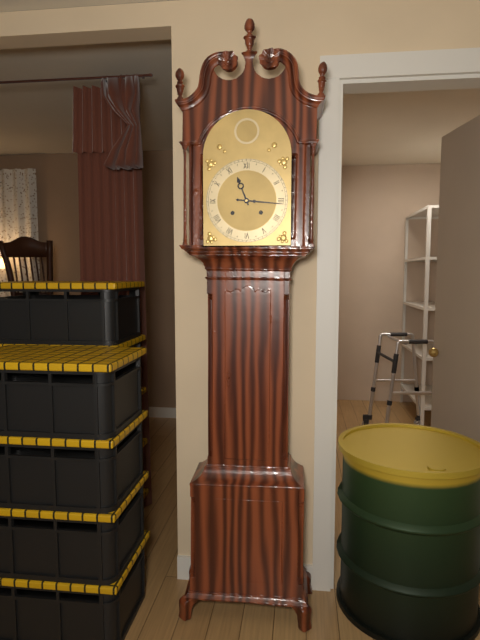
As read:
{"hour": 11, "minute": 16}
